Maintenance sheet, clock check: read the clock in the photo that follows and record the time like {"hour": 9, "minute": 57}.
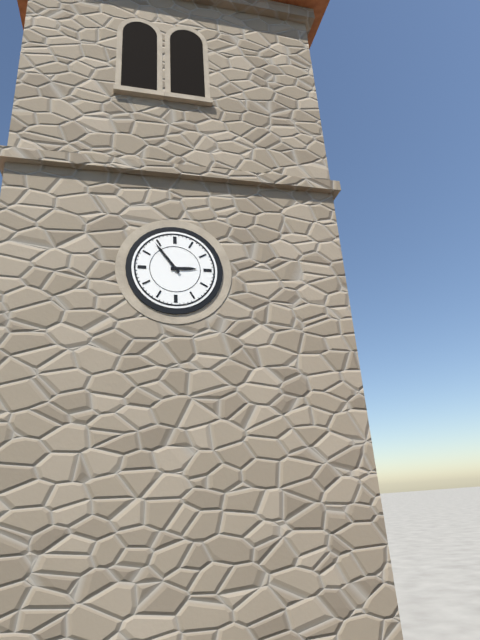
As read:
{"hour": 2, "minute": 54}
